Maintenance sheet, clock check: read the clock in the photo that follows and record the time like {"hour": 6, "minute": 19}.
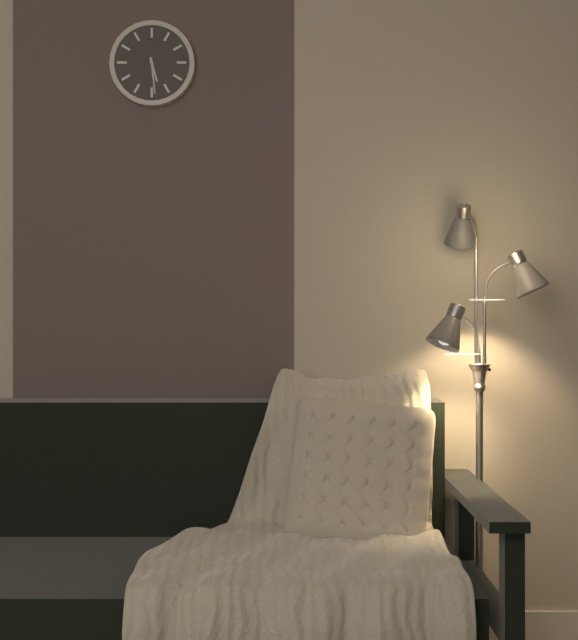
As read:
{"hour": 5, "minute": 29}
